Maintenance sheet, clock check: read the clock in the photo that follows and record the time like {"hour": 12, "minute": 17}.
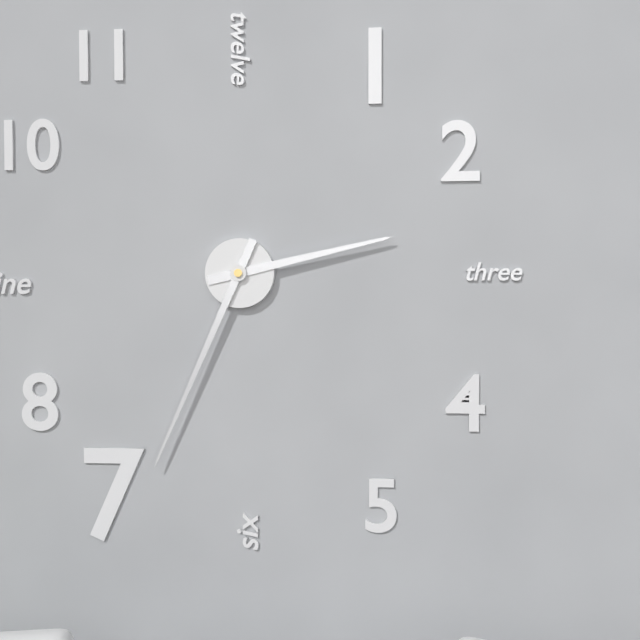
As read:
{"hour": 2, "minute": 34}
